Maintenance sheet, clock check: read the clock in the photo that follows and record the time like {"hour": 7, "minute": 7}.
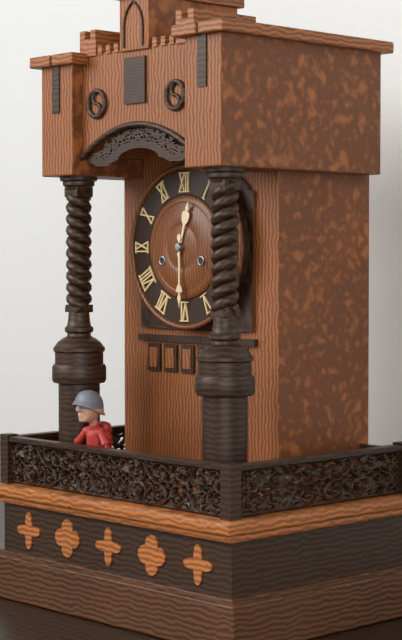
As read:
{"hour": 12, "minute": 30}
